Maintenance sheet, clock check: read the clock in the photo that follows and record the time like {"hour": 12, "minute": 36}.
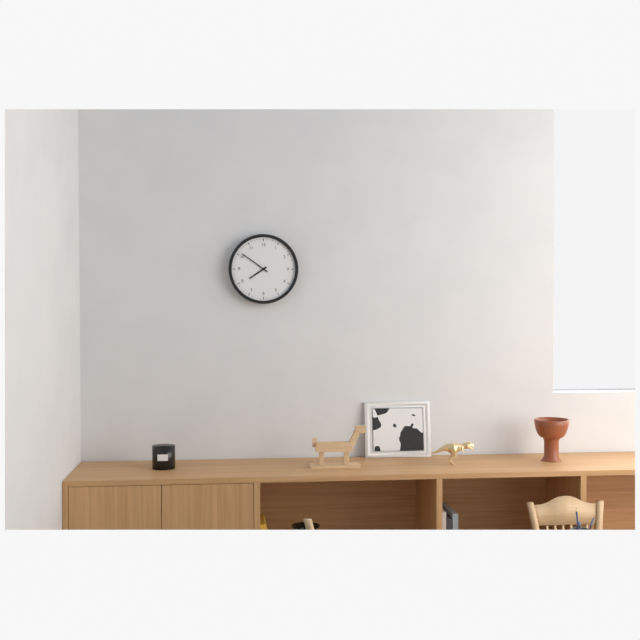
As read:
{"hour": 7, "minute": 51}
